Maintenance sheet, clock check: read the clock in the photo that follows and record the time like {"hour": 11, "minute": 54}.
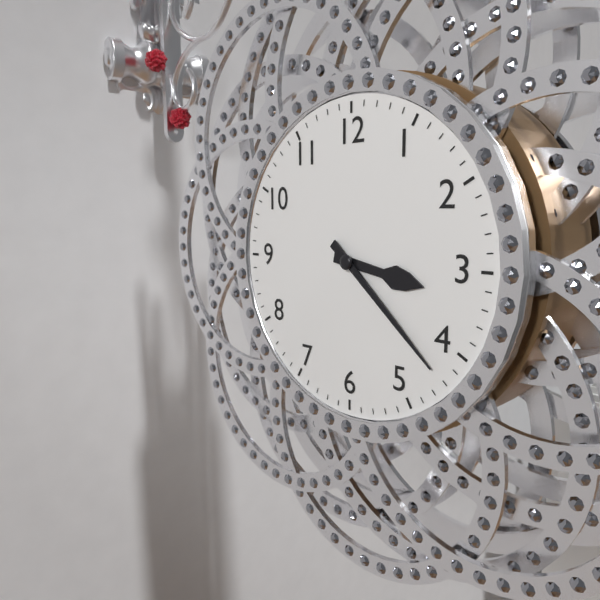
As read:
{"hour": 3, "minute": 22}
